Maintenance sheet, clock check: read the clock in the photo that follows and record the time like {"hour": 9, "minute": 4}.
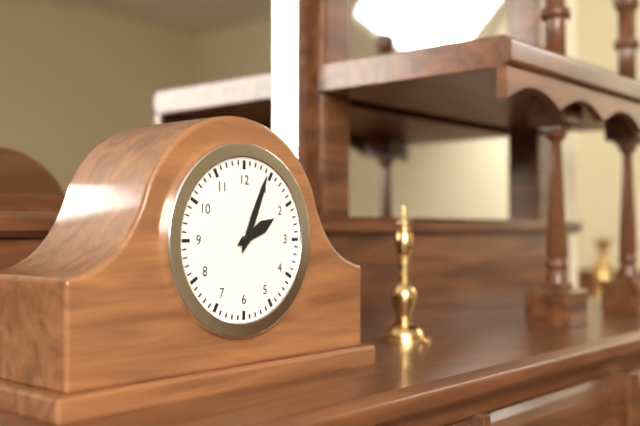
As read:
{"hour": 2, "minute": 4}
